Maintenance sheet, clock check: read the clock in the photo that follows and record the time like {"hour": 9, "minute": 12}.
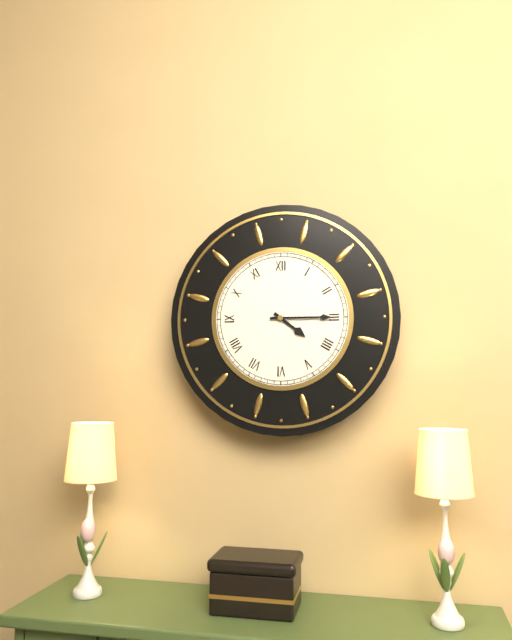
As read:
{"hour": 4, "minute": 15}
